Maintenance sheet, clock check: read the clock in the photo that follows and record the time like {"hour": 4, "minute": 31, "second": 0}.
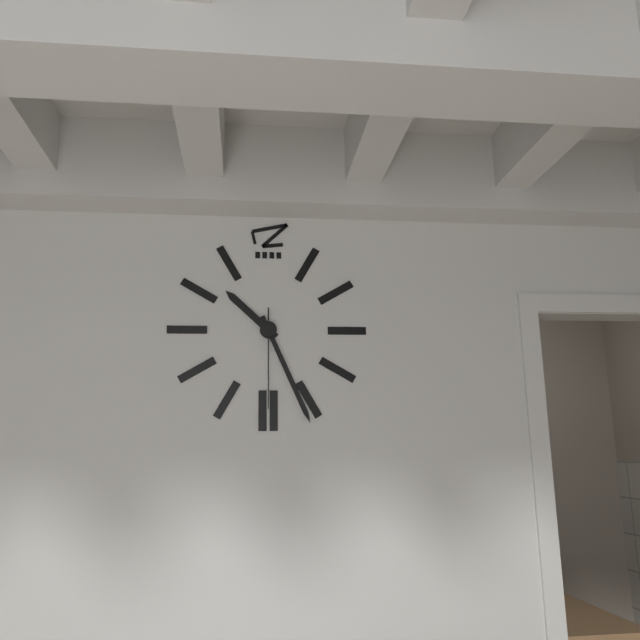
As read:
{"hour": 10, "minute": 26, "second": 30}
